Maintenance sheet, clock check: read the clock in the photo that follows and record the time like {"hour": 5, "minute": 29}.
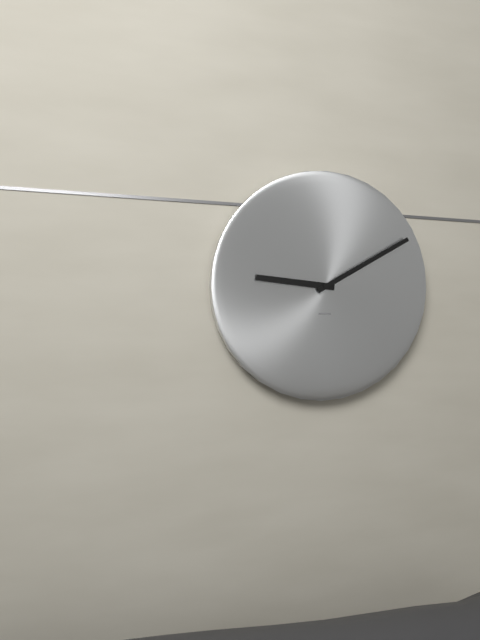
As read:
{"hour": 9, "minute": 10}
